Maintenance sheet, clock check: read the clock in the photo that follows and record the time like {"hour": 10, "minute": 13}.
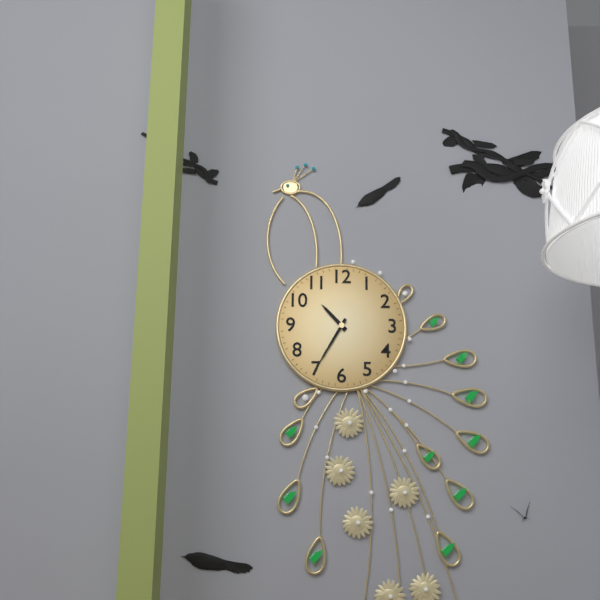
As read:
{"hour": 10, "minute": 35}
